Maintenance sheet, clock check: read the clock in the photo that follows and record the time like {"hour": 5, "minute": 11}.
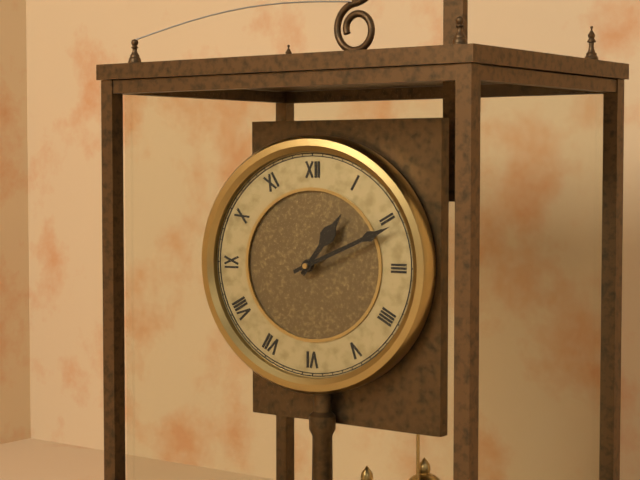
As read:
{"hour": 1, "minute": 11}
